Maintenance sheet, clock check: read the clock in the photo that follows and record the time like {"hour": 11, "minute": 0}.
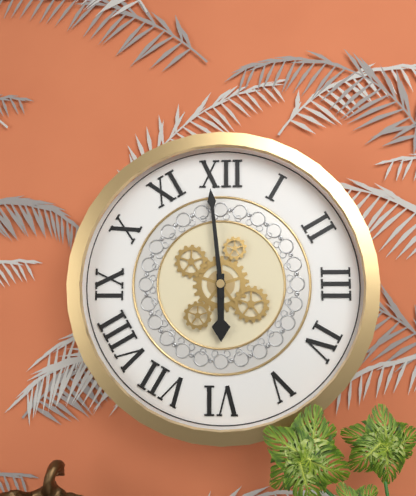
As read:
{"hour": 5, "minute": 59}
